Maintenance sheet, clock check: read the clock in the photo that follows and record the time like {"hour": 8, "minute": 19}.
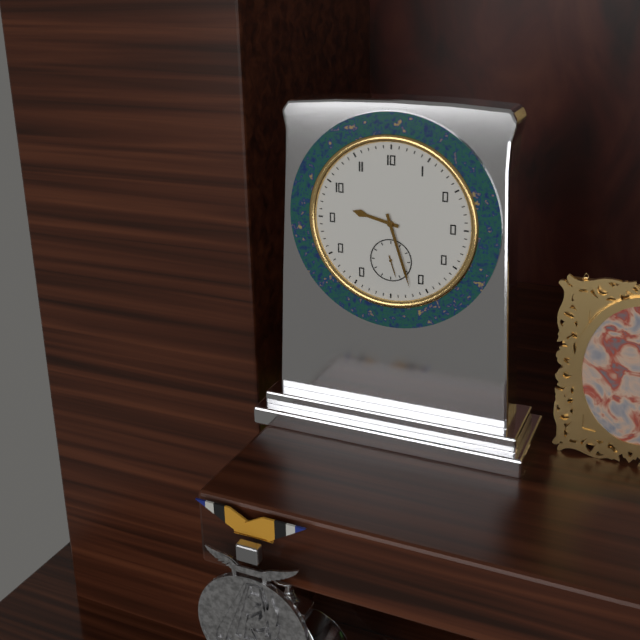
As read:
{"hour": 9, "minute": 27}
